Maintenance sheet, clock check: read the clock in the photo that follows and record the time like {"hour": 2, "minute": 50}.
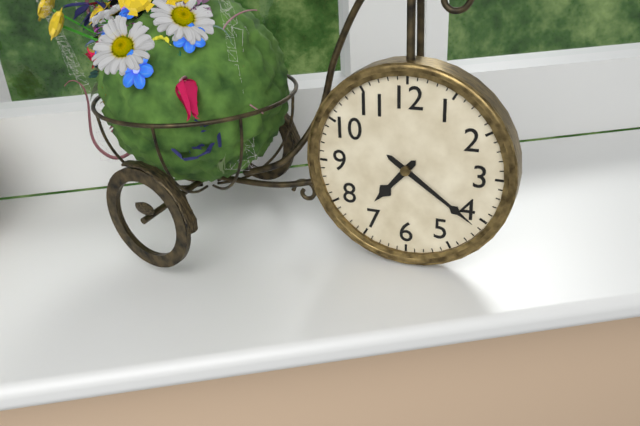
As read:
{"hour": 7, "minute": 21}
